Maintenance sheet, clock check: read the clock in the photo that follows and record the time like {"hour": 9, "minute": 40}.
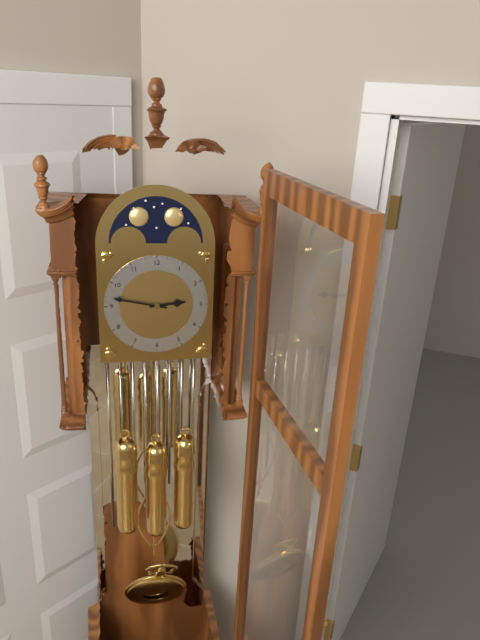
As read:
{"hour": 2, "minute": 47}
